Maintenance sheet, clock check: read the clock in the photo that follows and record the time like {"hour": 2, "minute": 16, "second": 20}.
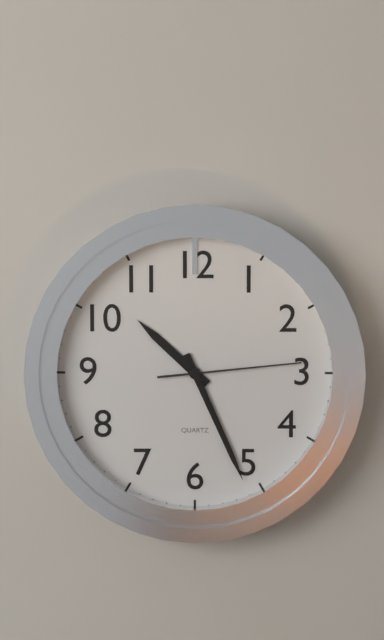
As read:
{"hour": 10, "minute": 26, "second": 14}
